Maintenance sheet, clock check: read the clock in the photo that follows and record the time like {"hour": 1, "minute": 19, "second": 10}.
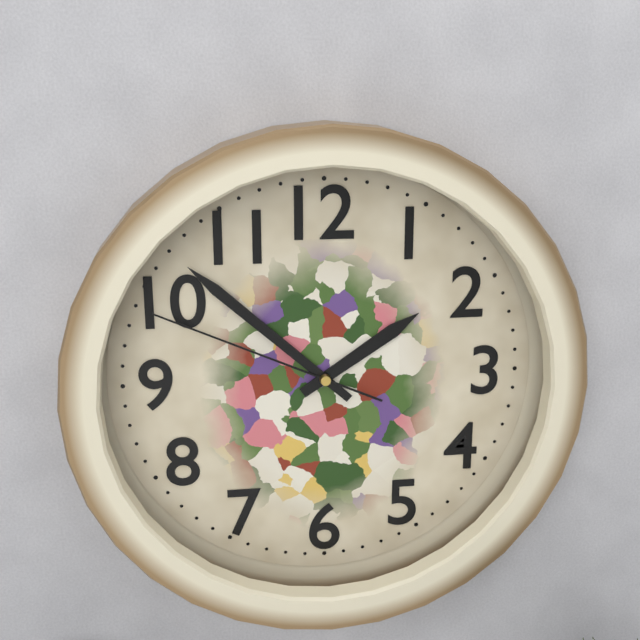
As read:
{"hour": 1, "minute": 52, "second": 49}
